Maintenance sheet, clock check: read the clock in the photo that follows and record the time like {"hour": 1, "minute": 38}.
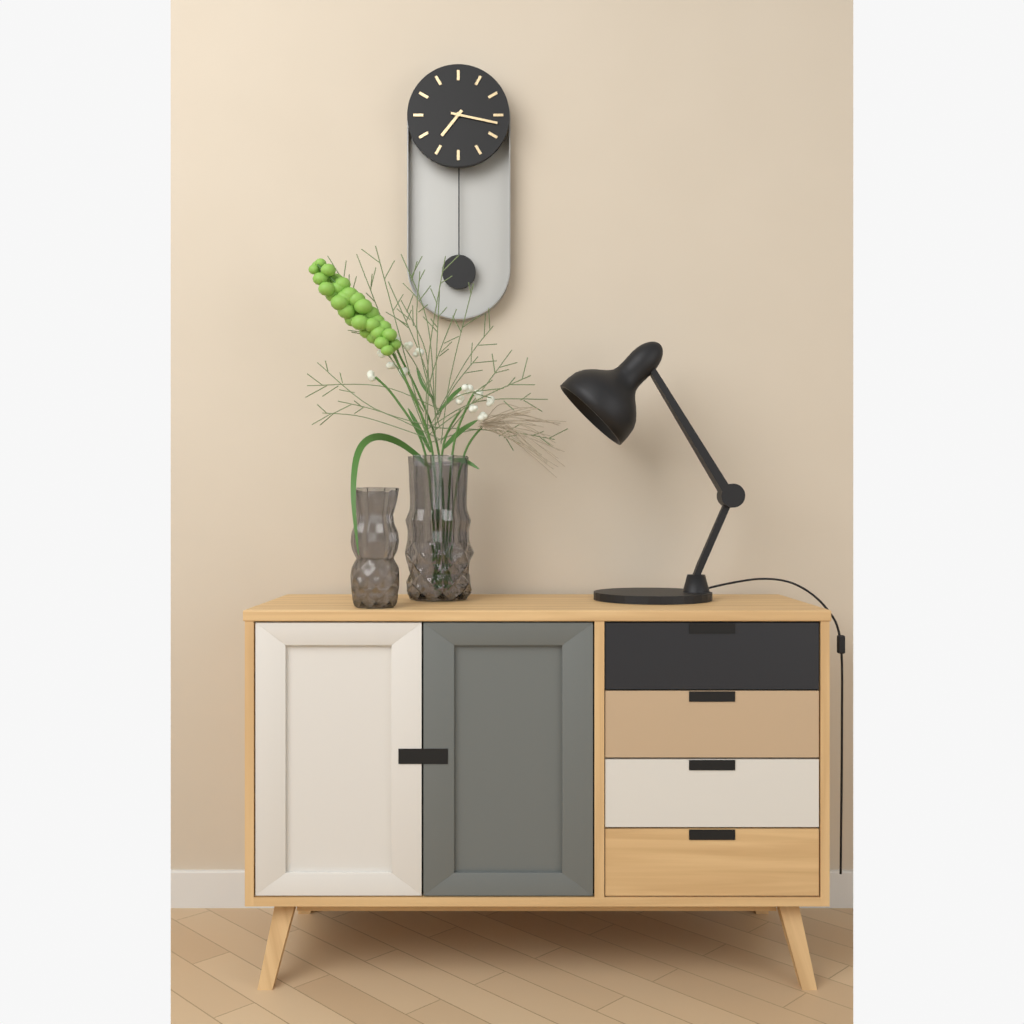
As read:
{"hour": 7, "minute": 17}
